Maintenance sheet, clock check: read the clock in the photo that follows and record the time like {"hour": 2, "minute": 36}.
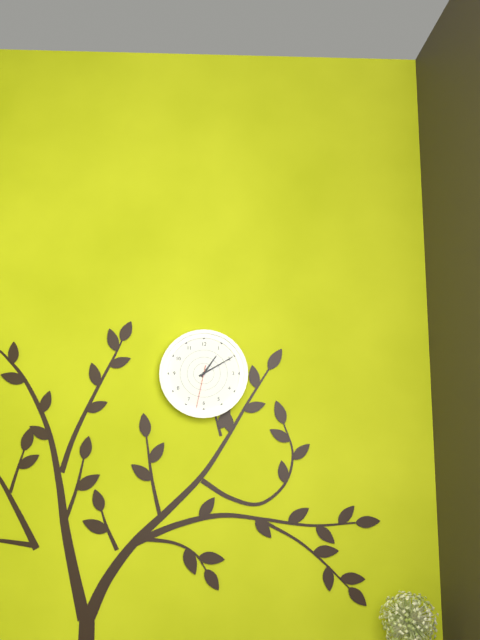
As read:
{"hour": 1, "minute": 10}
